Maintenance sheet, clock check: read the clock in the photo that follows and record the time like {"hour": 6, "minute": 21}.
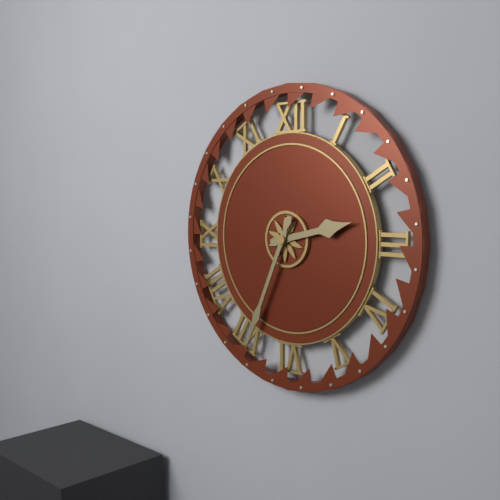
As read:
{"hour": 2, "minute": 34}
